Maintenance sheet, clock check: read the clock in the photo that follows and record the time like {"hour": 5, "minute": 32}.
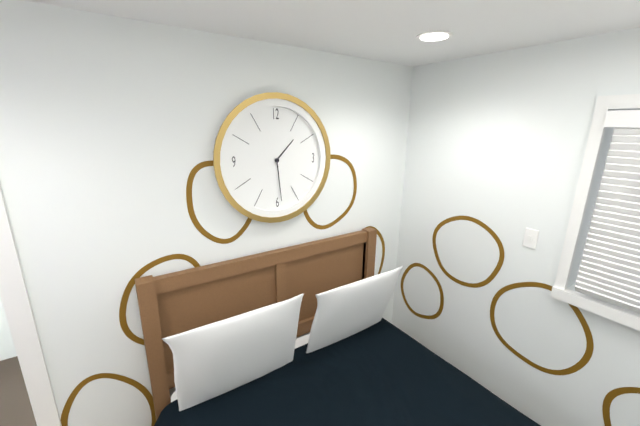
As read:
{"hour": 1, "minute": 29}
